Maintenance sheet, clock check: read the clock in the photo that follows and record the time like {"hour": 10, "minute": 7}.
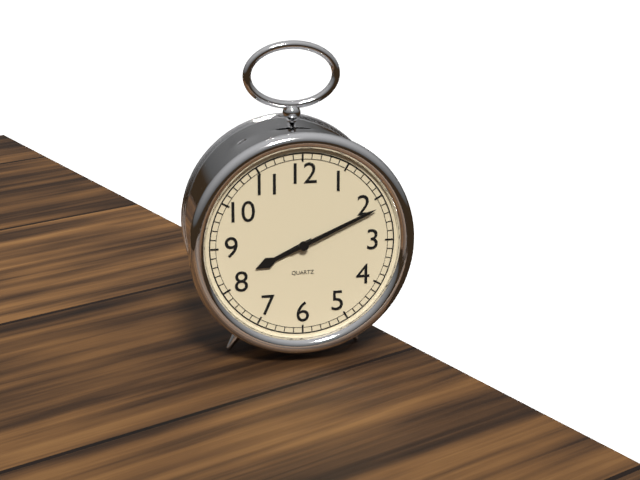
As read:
{"hour": 8, "minute": 11}
